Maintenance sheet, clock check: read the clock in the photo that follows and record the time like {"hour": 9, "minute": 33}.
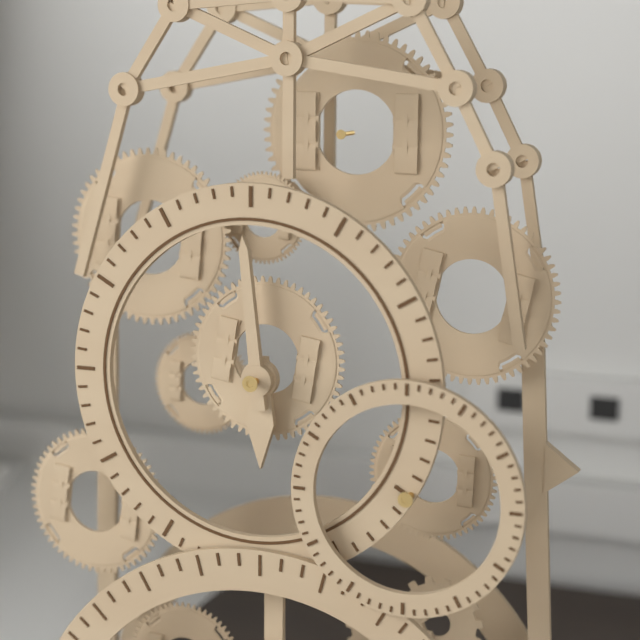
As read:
{"hour": 5, "minute": 59}
